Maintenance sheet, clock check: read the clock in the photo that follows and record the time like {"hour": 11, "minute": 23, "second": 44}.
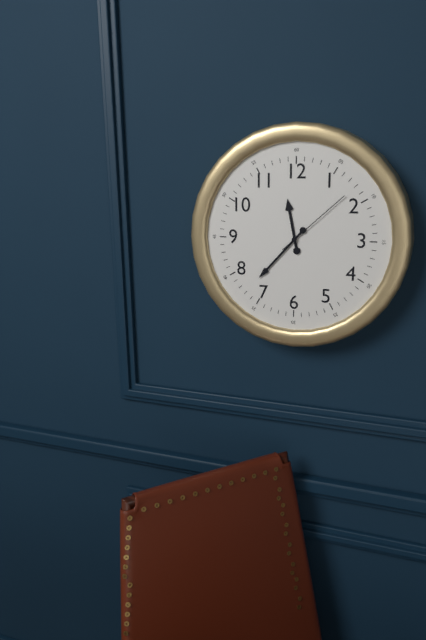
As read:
{"hour": 11, "minute": 37, "second": 8}
